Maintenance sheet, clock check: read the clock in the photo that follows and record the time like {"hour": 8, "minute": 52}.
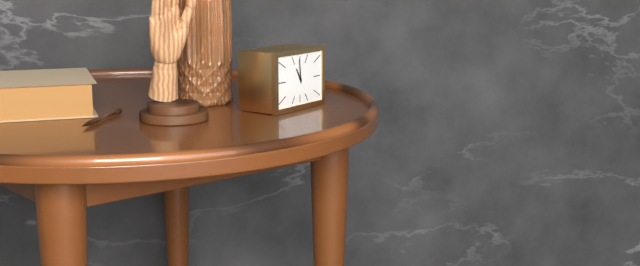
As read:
{"hour": 10, "minute": 59}
